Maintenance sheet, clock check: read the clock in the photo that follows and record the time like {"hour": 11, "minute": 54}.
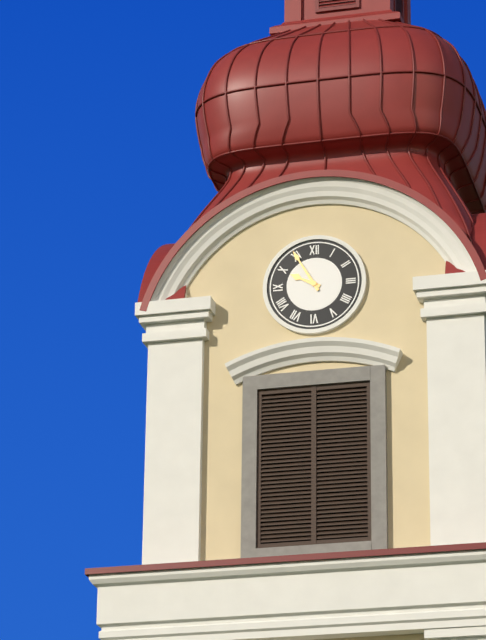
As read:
{"hour": 9, "minute": 55}
